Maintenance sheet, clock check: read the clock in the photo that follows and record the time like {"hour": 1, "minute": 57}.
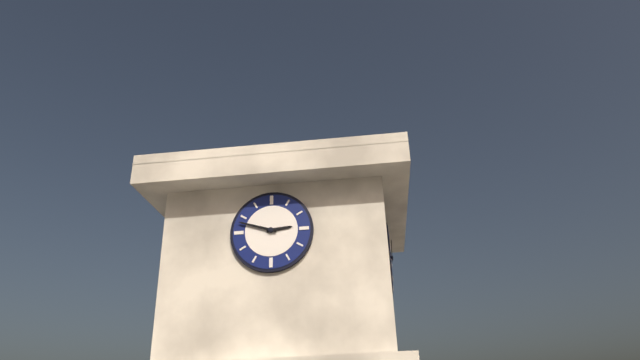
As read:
{"hour": 2, "minute": 48}
